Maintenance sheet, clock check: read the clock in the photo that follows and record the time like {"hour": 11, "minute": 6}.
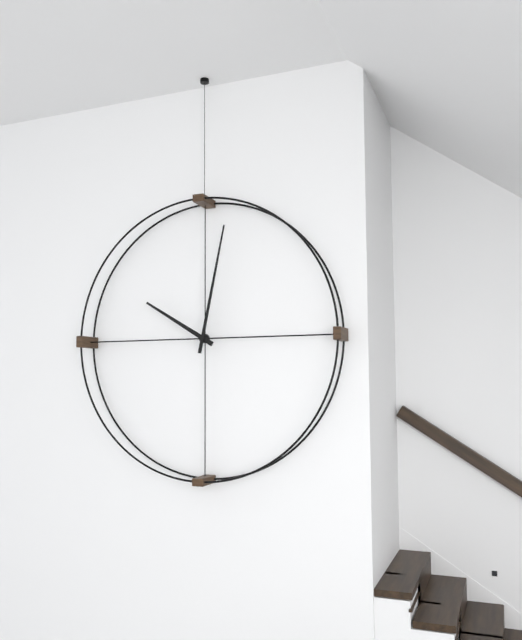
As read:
{"hour": 10, "minute": 2}
